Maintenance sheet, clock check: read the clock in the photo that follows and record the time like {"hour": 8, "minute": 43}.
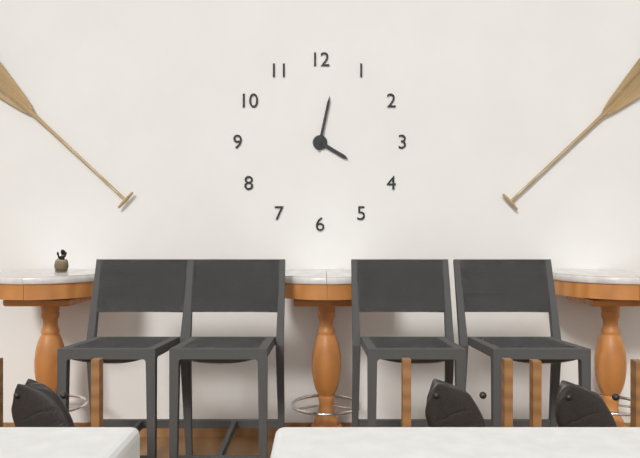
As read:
{"hour": 4, "minute": 2}
